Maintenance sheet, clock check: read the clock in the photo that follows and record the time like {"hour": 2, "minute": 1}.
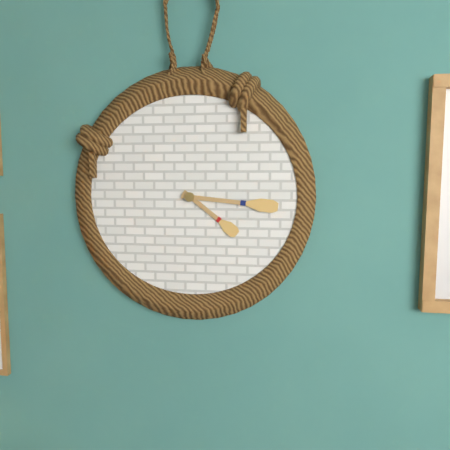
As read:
{"hour": 4, "minute": 16}
